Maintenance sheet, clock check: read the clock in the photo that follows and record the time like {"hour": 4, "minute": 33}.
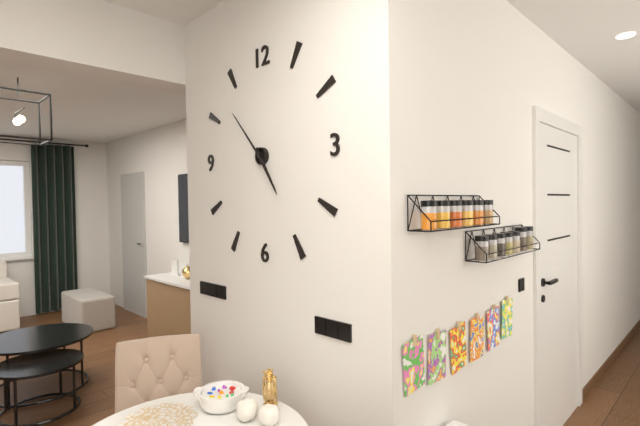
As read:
{"hour": 4, "minute": 53}
